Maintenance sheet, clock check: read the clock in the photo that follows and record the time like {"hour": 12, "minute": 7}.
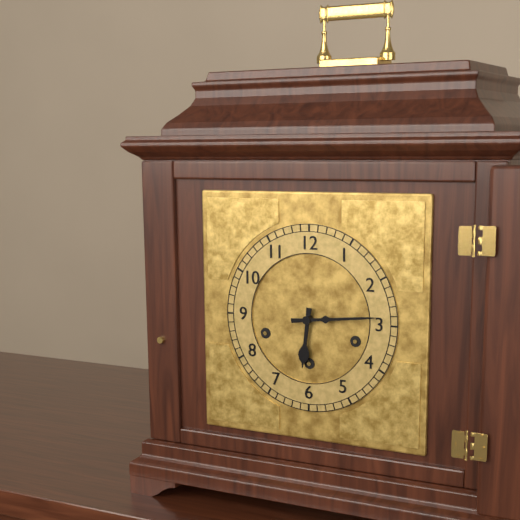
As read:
{"hour": 6, "minute": 14}
